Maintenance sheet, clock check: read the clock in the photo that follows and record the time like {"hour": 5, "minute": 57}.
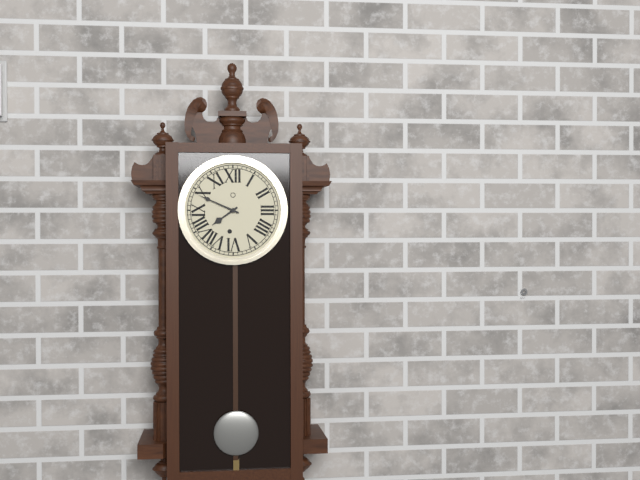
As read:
{"hour": 7, "minute": 49}
